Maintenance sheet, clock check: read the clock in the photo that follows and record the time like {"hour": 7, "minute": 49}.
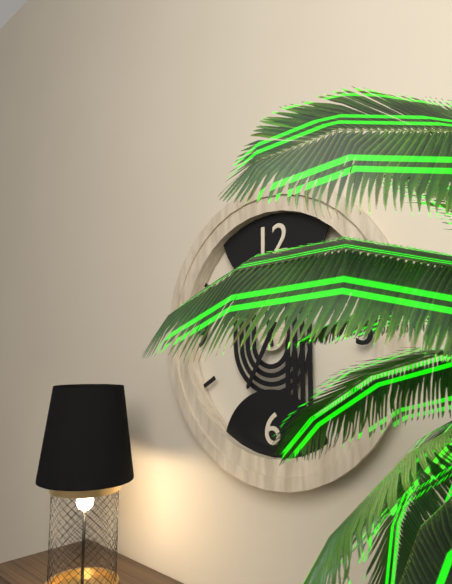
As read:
{"hour": 6, "minute": 58}
